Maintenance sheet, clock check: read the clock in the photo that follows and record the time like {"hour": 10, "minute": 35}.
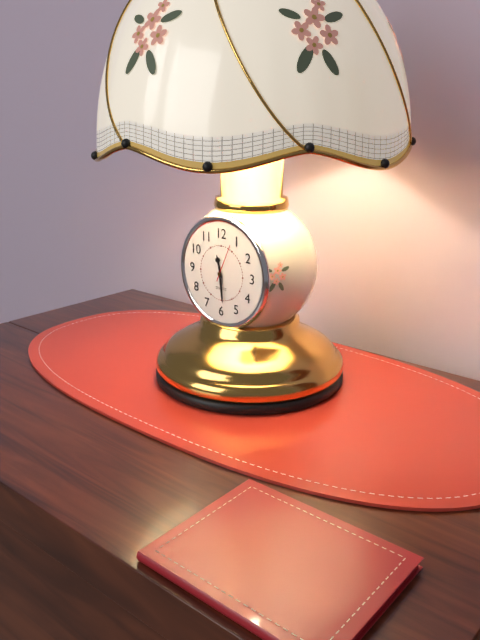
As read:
{"hour": 11, "minute": 29}
